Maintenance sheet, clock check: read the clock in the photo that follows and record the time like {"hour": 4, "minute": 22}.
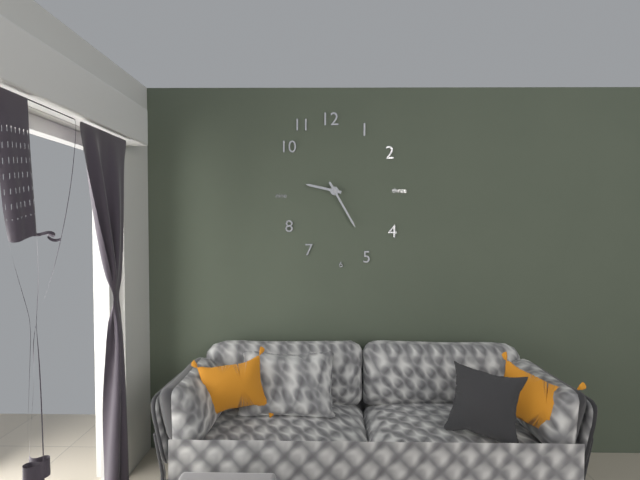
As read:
{"hour": 9, "minute": 25}
